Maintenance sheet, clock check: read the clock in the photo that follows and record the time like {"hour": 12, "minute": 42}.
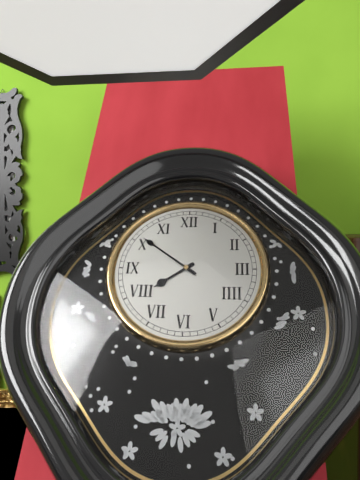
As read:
{"hour": 7, "minute": 51}
